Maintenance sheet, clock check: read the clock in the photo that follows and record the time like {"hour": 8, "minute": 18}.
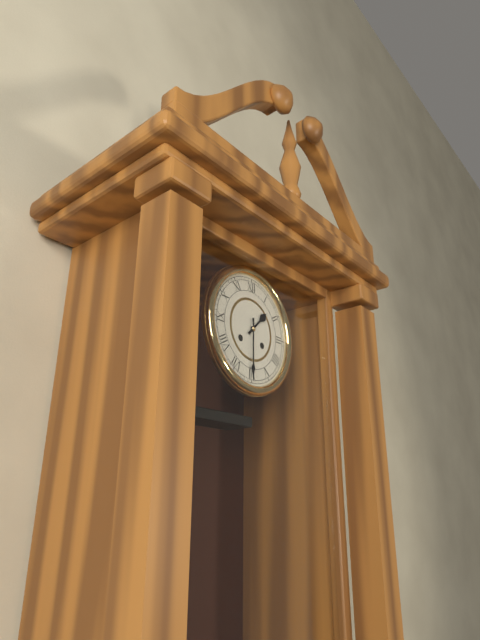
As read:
{"hour": 1, "minute": 30}
